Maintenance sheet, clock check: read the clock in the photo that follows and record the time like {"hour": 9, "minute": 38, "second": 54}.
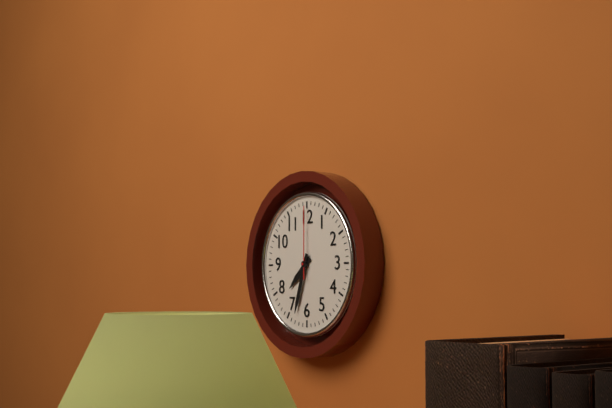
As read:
{"hour": 7, "minute": 33, "second": 0}
